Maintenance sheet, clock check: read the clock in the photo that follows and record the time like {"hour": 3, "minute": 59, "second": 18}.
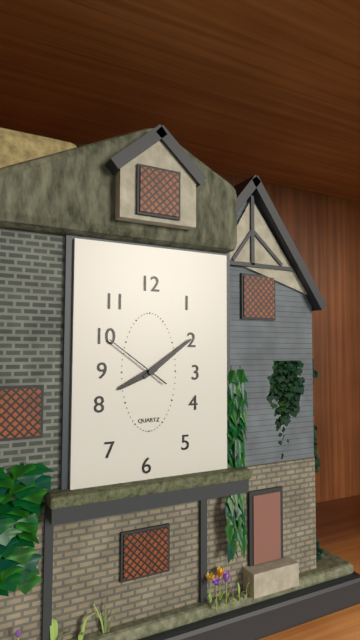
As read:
{"hour": 8, "minute": 9, "second": 51}
